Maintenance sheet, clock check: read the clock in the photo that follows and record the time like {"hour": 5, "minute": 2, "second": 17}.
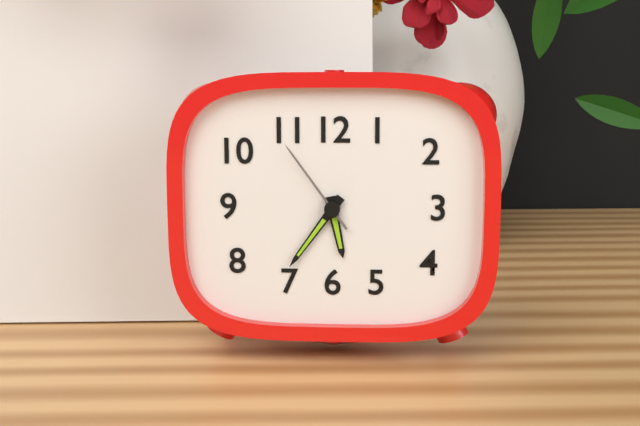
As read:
{"hour": 5, "minute": 36, "second": 54}
